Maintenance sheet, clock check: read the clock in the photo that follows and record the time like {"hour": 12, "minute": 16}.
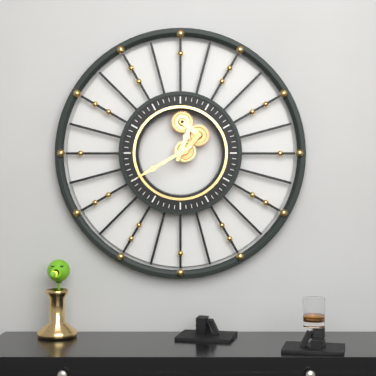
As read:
{"hour": 12, "minute": 40}
